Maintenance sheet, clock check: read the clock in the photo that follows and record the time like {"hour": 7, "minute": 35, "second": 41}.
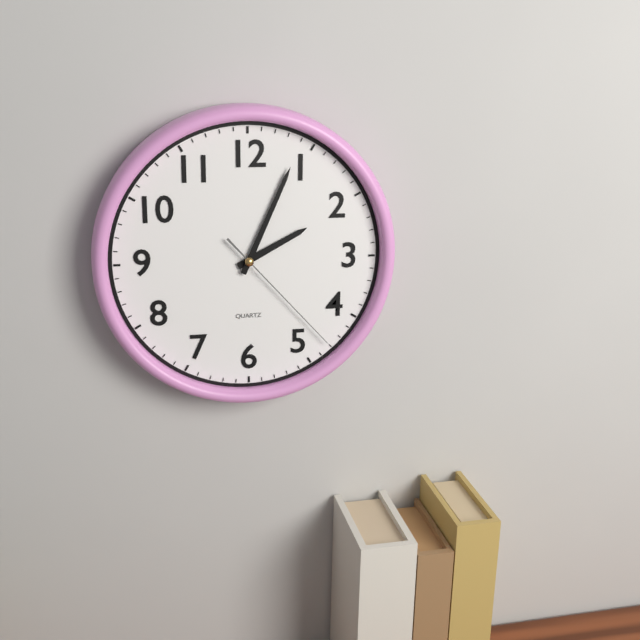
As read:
{"hour": 2, "minute": 4, "second": 23}
